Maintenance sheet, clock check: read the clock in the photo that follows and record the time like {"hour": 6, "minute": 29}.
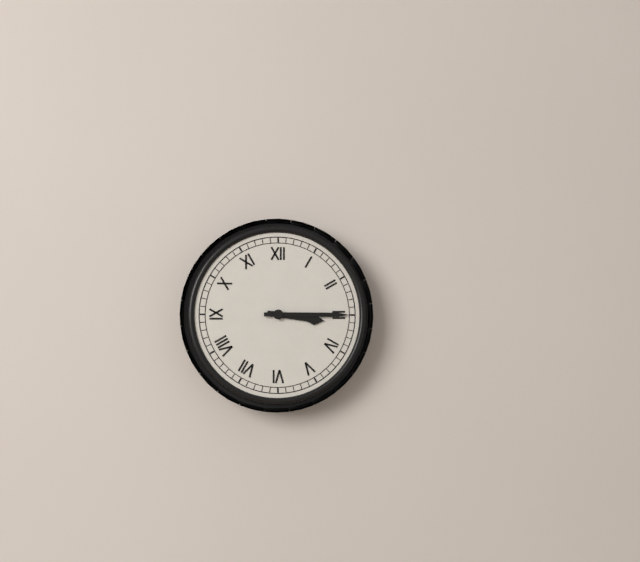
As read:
{"hour": 3, "minute": 15}
